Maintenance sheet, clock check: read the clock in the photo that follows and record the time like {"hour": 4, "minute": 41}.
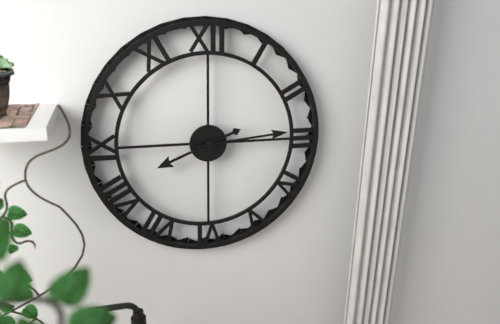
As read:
{"hour": 8, "minute": 14}
